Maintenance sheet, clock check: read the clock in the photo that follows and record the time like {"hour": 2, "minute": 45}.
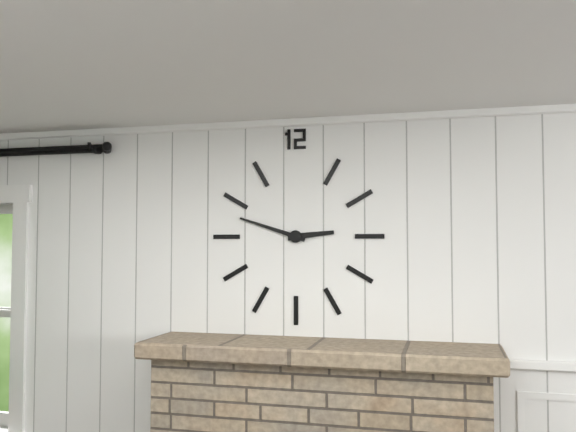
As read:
{"hour": 2, "minute": 48}
